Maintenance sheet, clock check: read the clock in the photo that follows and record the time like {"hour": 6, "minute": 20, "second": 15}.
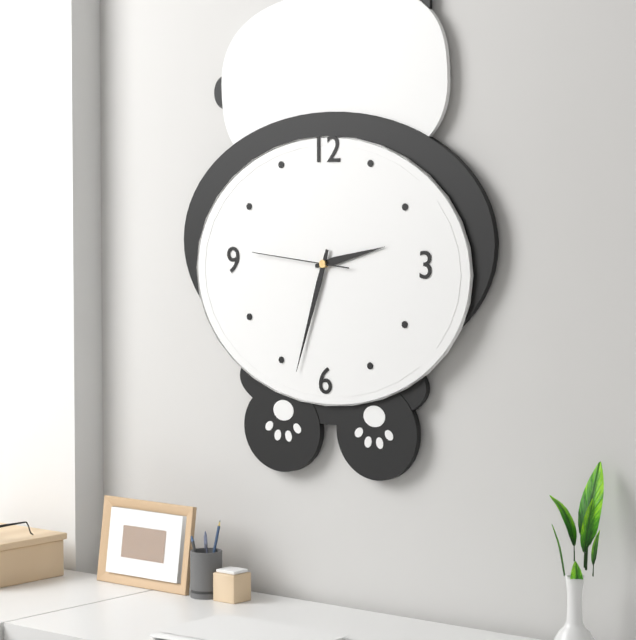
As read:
{"hour": 2, "minute": 33, "second": 46}
